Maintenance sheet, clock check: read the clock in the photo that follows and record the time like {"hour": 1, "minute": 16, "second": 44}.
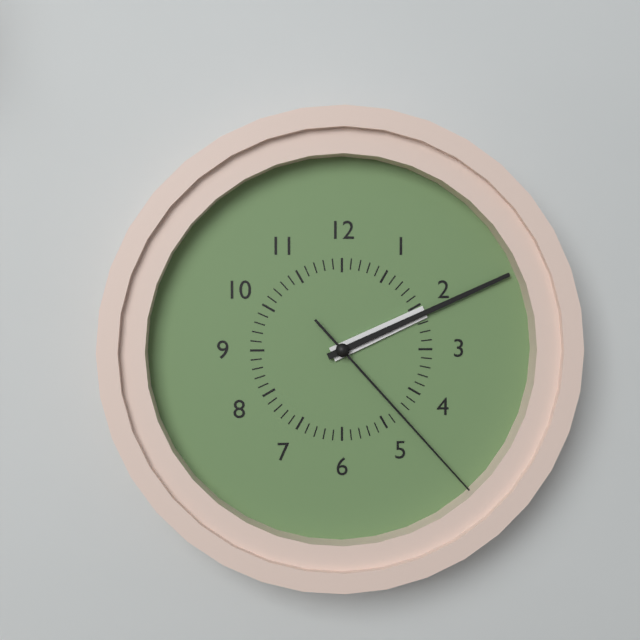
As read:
{"hour": 2, "minute": 11, "second": 23}
